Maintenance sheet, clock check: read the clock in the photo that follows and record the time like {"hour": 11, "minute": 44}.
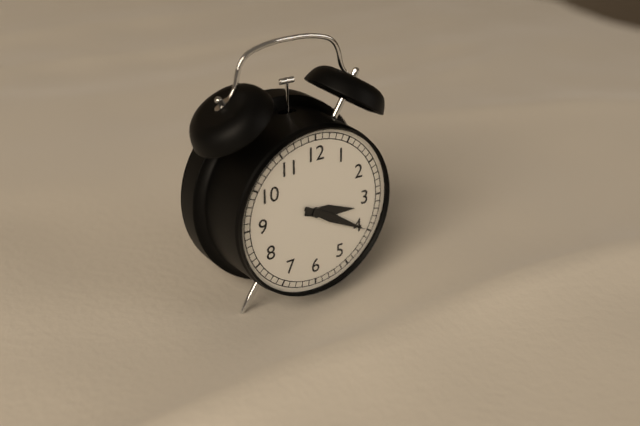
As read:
{"hour": 3, "minute": 20}
